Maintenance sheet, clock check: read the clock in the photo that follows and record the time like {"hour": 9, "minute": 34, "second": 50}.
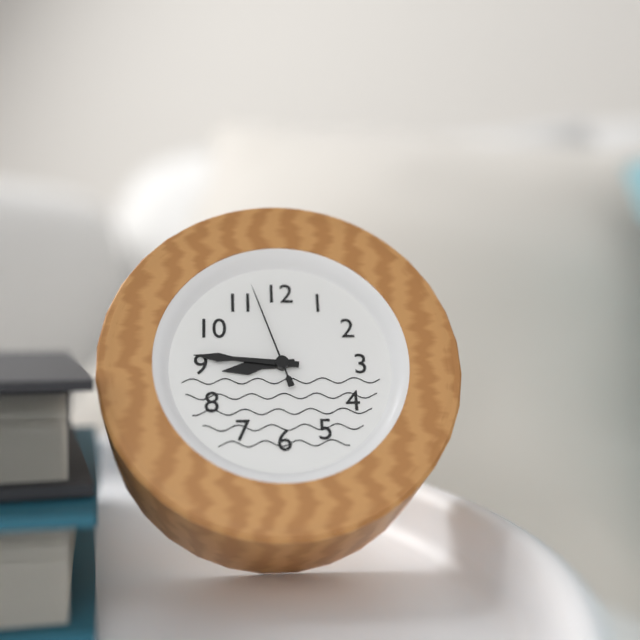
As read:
{"hour": 8, "minute": 46, "second": 57}
